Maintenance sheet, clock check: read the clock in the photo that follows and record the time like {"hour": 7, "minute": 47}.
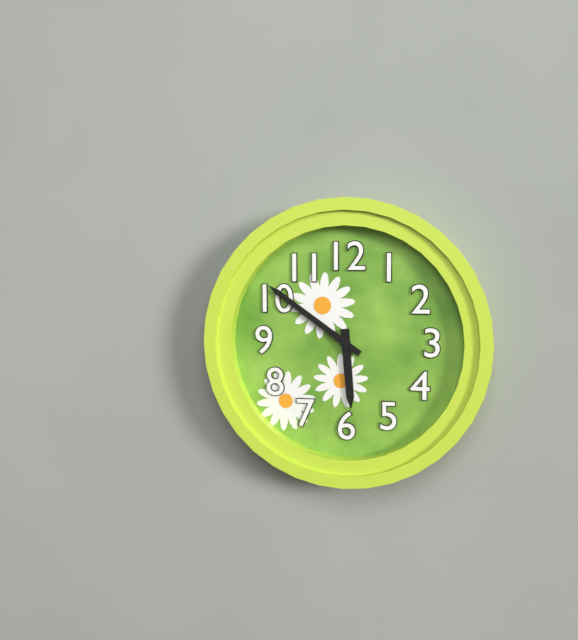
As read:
{"hour": 5, "minute": 51}
